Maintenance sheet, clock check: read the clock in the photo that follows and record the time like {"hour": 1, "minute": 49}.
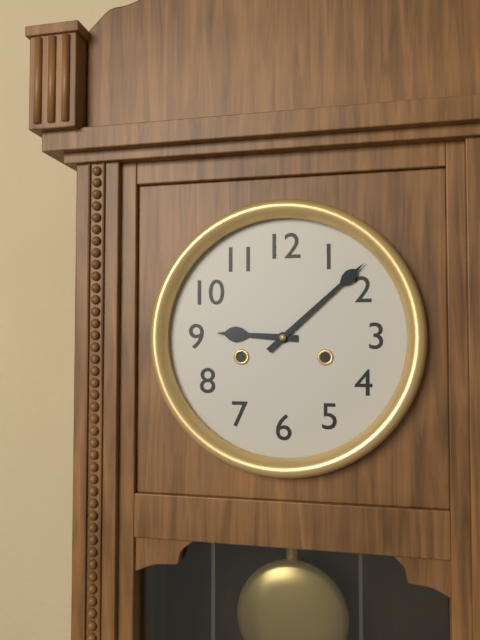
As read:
{"hour": 9, "minute": 8}
